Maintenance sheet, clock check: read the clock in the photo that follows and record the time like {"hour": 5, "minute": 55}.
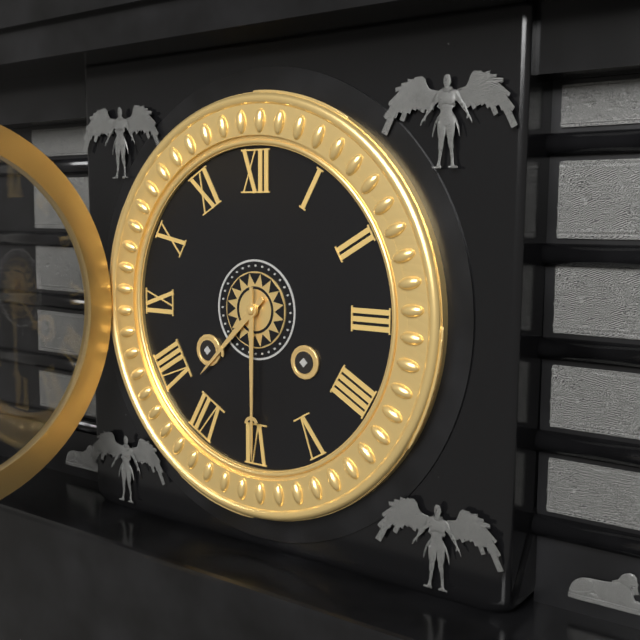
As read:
{"hour": 7, "minute": 30}
